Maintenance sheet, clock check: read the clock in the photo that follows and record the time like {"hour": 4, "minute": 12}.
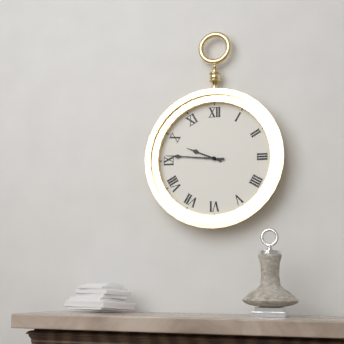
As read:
{"hour": 9, "minute": 46}
